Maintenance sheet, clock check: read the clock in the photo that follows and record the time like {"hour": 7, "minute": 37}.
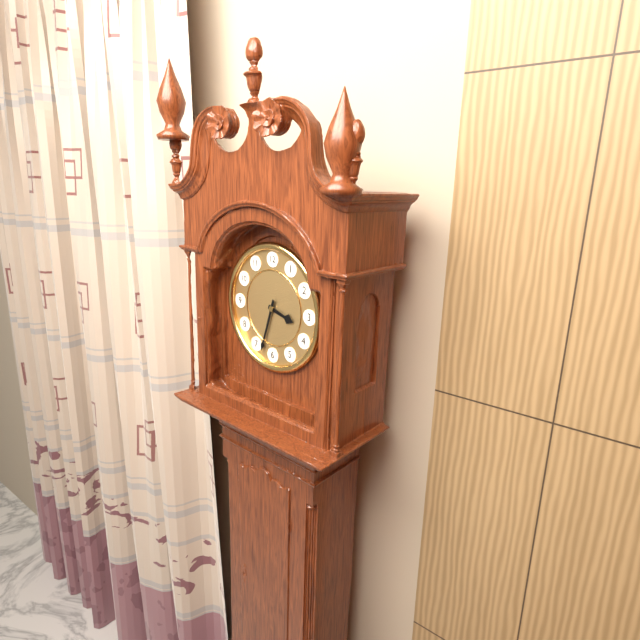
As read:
{"hour": 3, "minute": 33}
